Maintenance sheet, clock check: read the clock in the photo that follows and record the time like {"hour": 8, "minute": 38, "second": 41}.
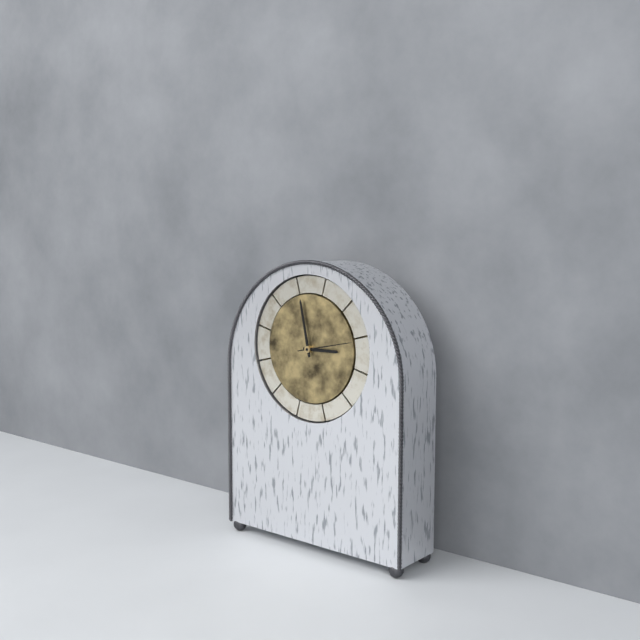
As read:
{"hour": 2, "minute": 58, "second": 13}
